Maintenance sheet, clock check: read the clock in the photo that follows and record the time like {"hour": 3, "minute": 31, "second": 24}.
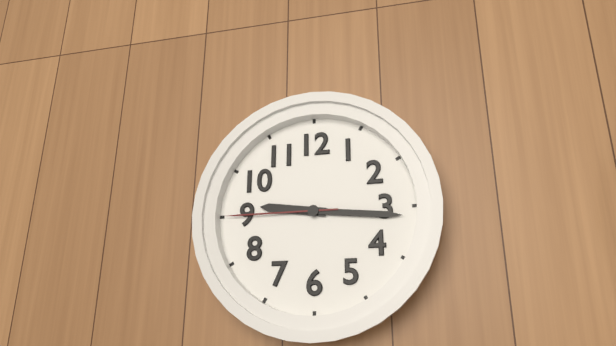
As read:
{"hour": 9, "minute": 16, "second": 45}
